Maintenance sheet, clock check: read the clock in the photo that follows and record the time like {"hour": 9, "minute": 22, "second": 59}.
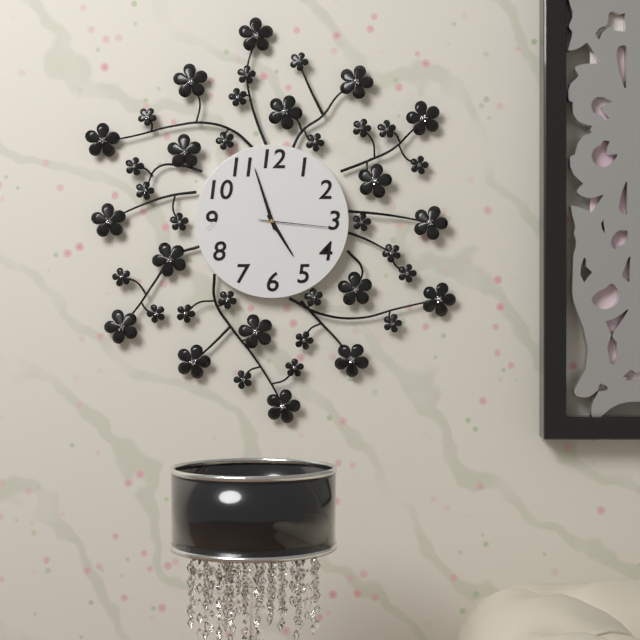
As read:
{"hour": 4, "minute": 57, "second": 16}
